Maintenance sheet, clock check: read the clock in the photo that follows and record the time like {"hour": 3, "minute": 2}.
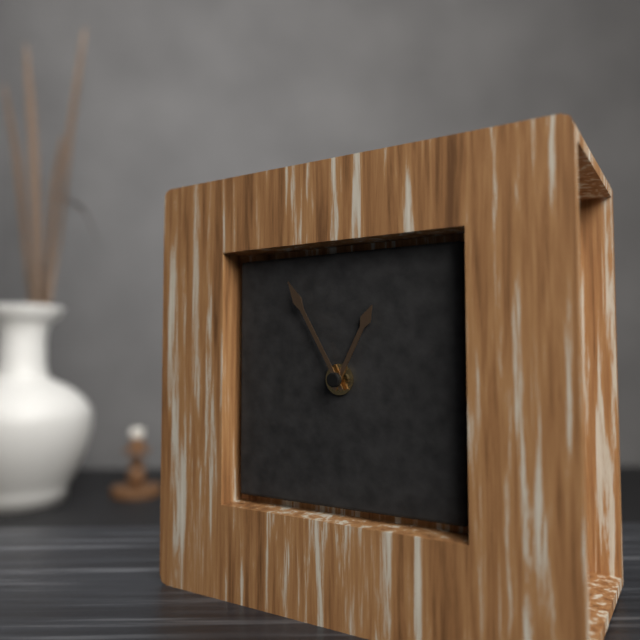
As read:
{"hour": 12, "minute": 55}
